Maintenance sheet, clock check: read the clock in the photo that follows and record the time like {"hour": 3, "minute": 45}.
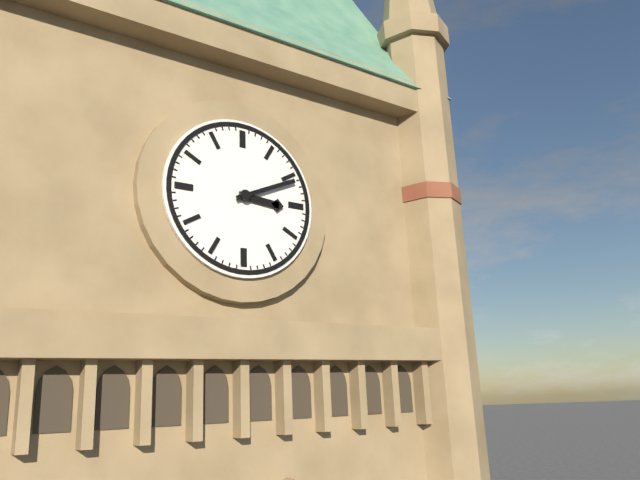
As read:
{"hour": 3, "minute": 11}
